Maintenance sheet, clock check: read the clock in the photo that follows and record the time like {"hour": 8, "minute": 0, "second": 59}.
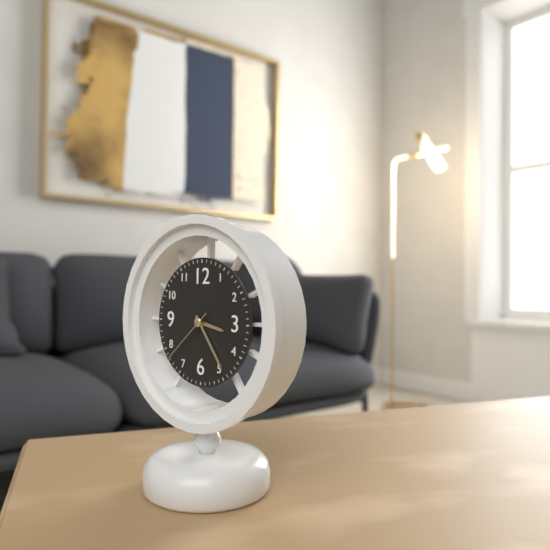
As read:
{"hour": 3, "minute": 24, "second": 38}
